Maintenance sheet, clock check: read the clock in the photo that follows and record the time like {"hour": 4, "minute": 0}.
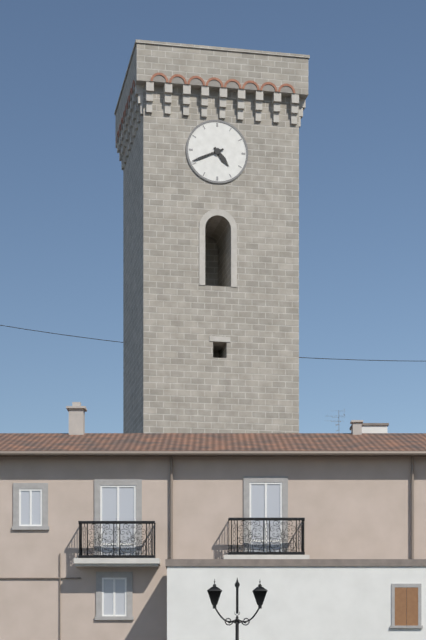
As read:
{"hour": 4, "minute": 41}
